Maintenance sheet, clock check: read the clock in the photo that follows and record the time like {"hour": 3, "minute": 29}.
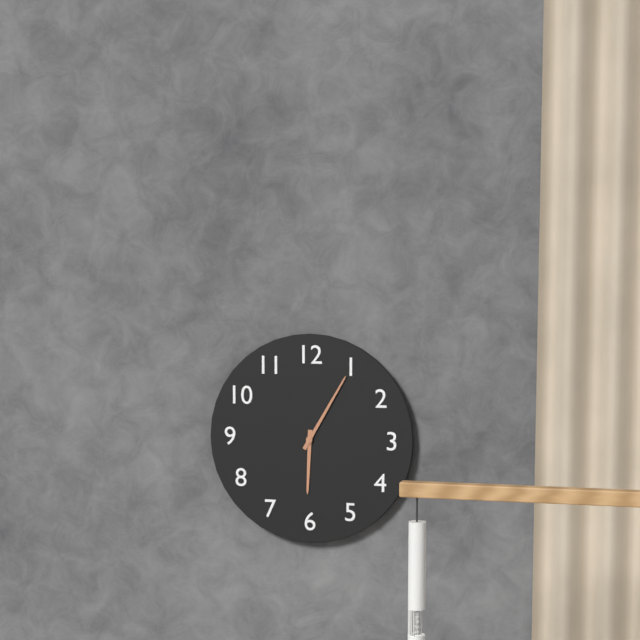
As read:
{"hour": 6, "minute": 5}
